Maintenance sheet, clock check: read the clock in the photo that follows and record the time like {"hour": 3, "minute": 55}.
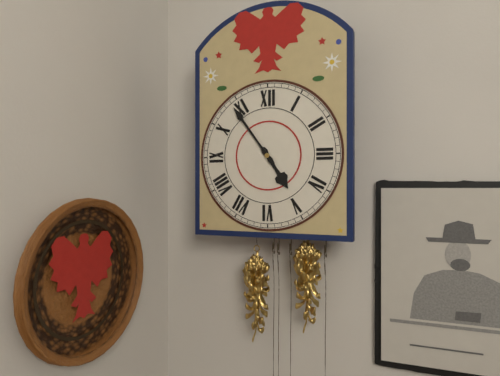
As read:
{"hour": 4, "minute": 54}
